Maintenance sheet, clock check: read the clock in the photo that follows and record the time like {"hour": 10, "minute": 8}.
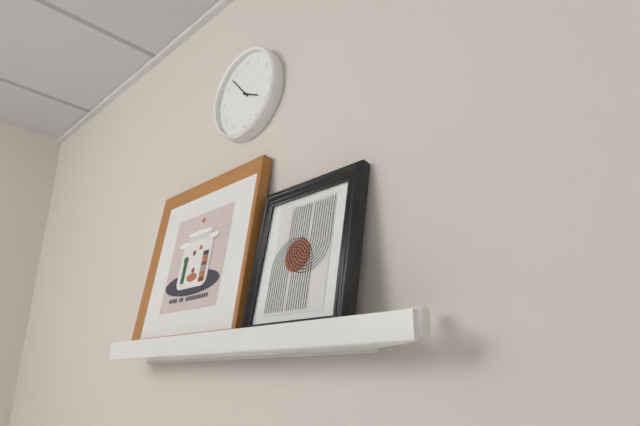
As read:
{"hour": 3, "minute": 53}
